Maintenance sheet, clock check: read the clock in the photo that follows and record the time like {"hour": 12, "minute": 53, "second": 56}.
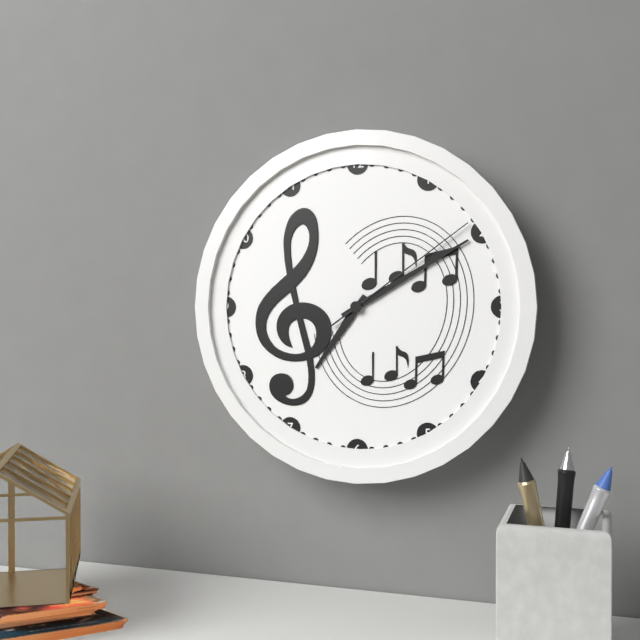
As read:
{"hour": 7, "minute": 10, "second": 9}
